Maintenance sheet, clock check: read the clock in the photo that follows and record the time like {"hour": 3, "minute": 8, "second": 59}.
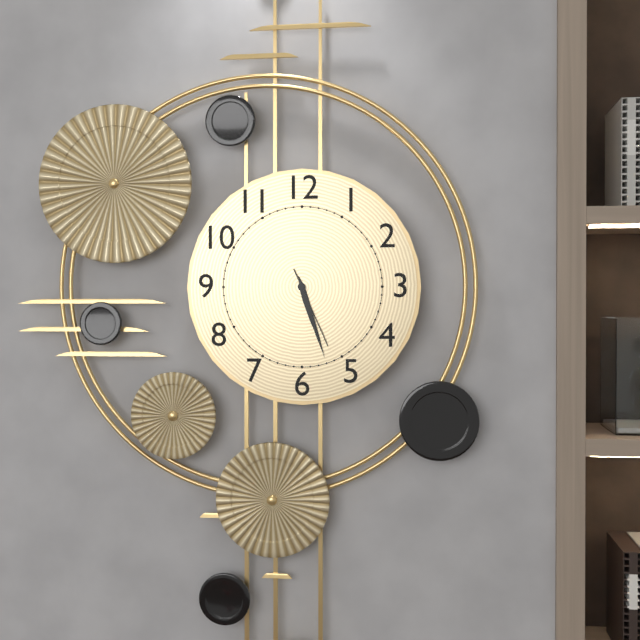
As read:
{"hour": 5, "minute": 27, "second": 26}
